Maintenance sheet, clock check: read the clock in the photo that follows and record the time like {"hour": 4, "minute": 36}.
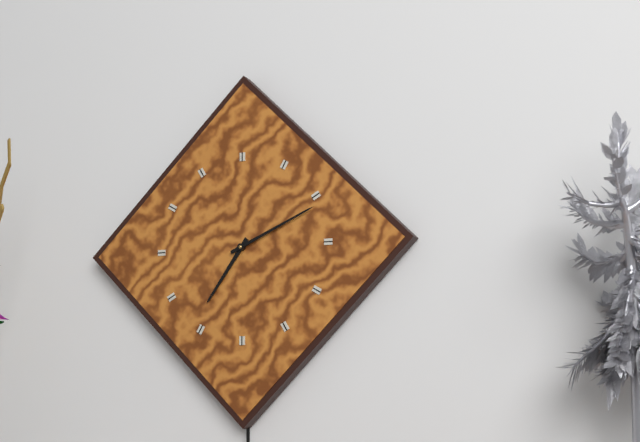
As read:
{"hour": 7, "minute": 11}
